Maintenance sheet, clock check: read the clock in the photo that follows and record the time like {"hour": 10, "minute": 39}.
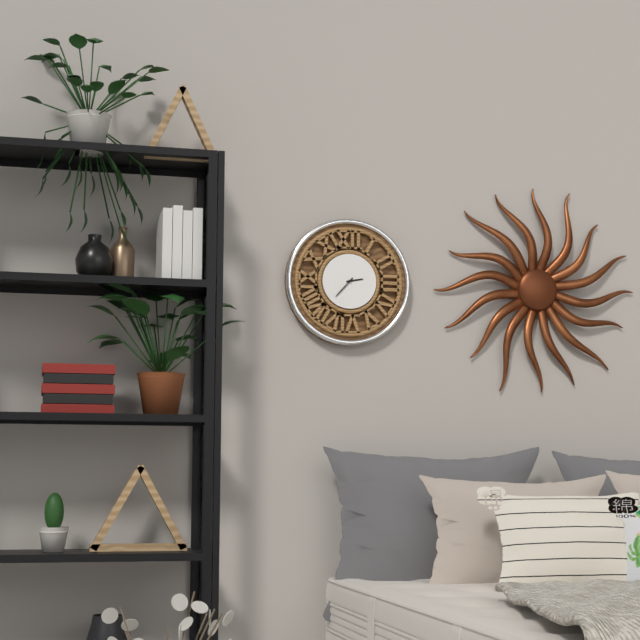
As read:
{"hour": 2, "minute": 37}
